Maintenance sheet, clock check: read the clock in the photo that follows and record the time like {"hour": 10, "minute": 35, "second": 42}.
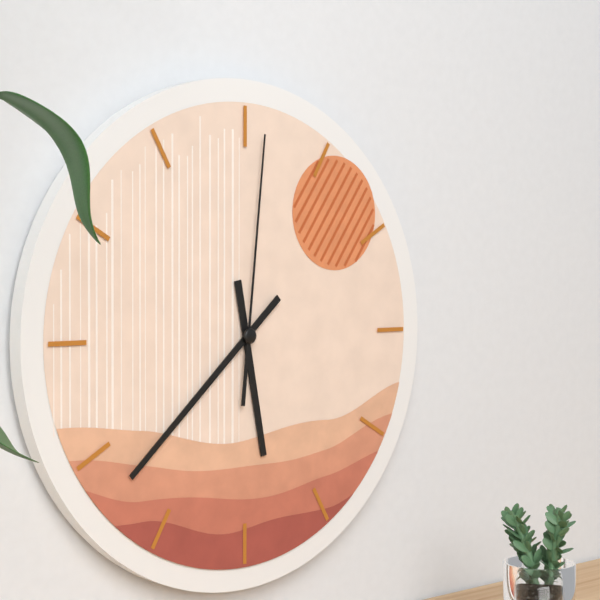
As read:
{"hour": 5, "minute": 38, "second": 1}
